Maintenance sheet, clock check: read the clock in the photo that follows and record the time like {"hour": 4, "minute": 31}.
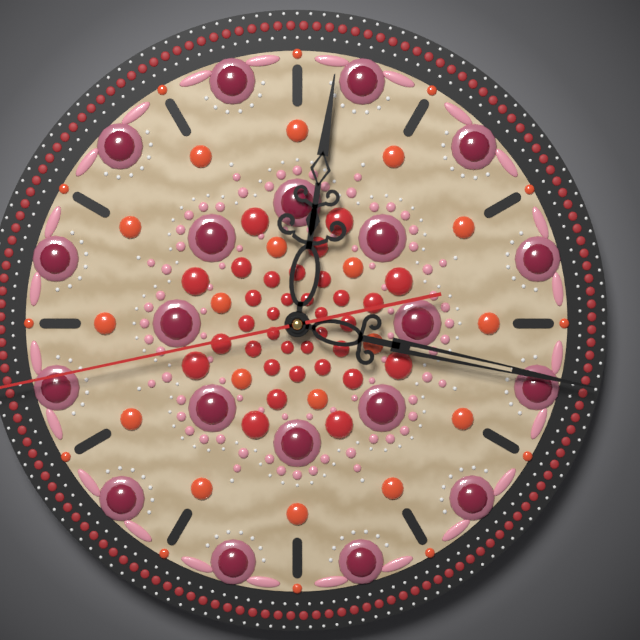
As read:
{"hour": 12, "minute": 17}
